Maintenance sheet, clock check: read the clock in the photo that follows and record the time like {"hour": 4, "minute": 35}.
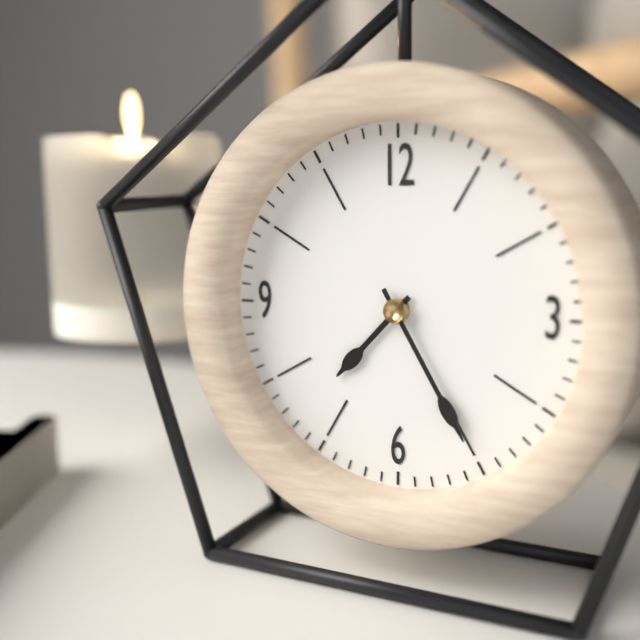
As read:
{"hour": 7, "minute": 25}
